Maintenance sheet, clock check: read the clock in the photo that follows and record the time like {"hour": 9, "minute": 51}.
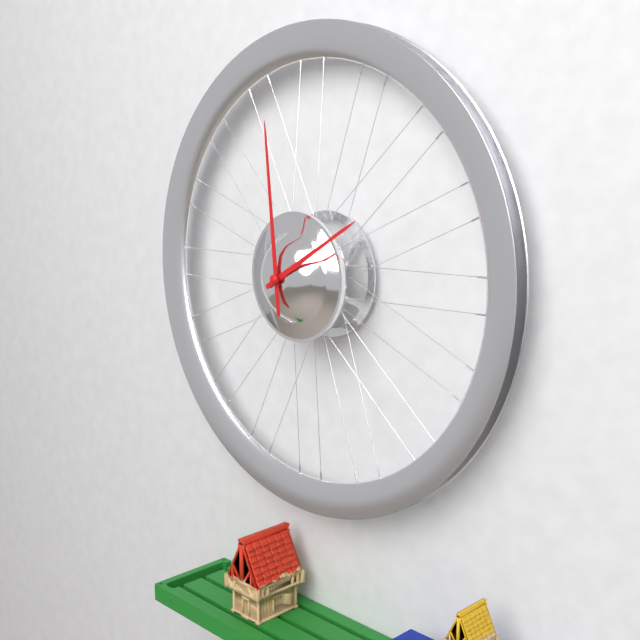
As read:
{"hour": 1, "minute": 59}
